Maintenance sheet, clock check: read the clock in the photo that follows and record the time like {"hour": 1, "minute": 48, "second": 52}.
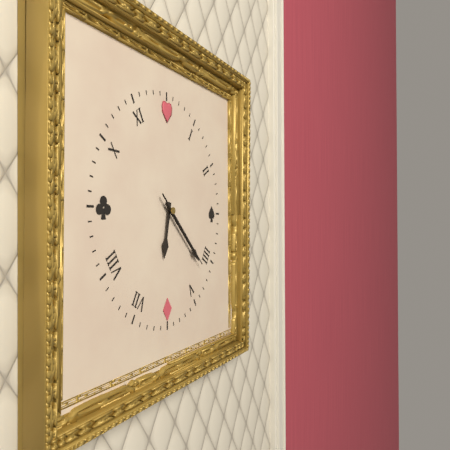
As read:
{"hour": 6, "minute": 22, "second": 22}
